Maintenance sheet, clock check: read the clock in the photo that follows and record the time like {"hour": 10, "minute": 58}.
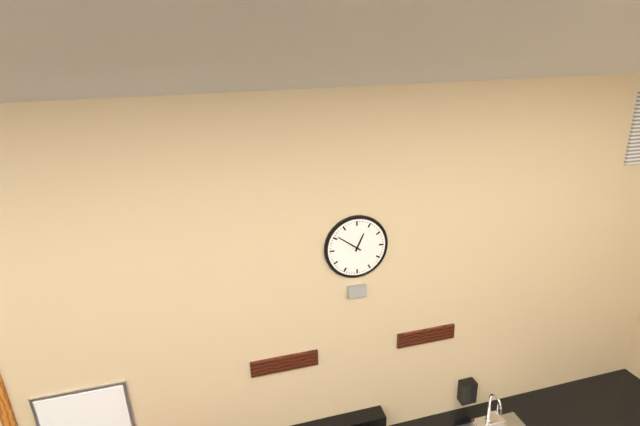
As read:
{"hour": 12, "minute": 51}
